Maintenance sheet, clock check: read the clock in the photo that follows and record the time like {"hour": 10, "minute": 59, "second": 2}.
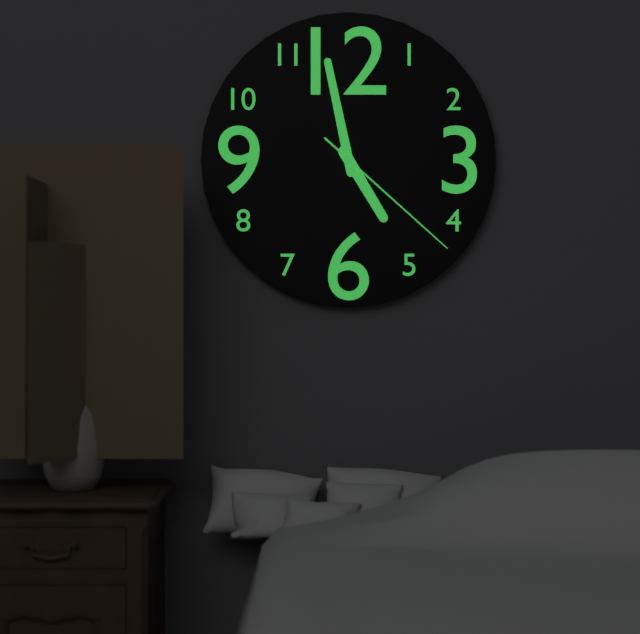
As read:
{"hour": 4, "minute": 58, "second": 22}
